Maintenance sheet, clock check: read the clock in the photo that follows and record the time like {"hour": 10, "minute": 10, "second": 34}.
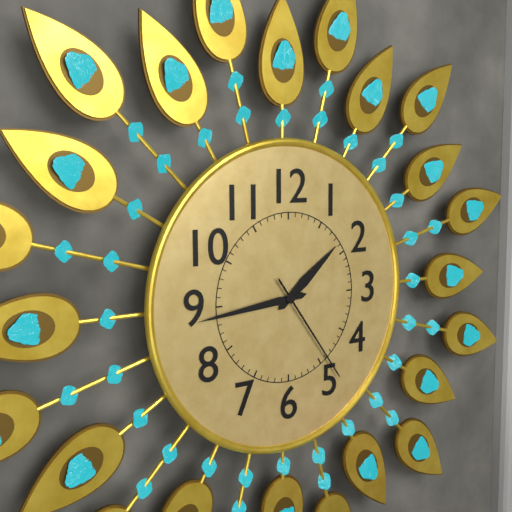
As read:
{"hour": 1, "minute": 44, "second": 24}
